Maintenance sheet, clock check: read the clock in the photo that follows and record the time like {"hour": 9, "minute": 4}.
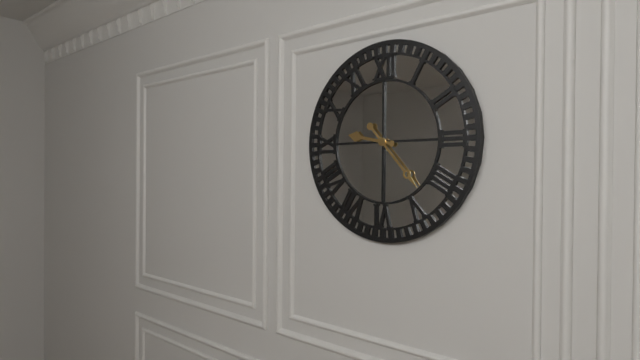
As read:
{"hour": 9, "minute": 23}
